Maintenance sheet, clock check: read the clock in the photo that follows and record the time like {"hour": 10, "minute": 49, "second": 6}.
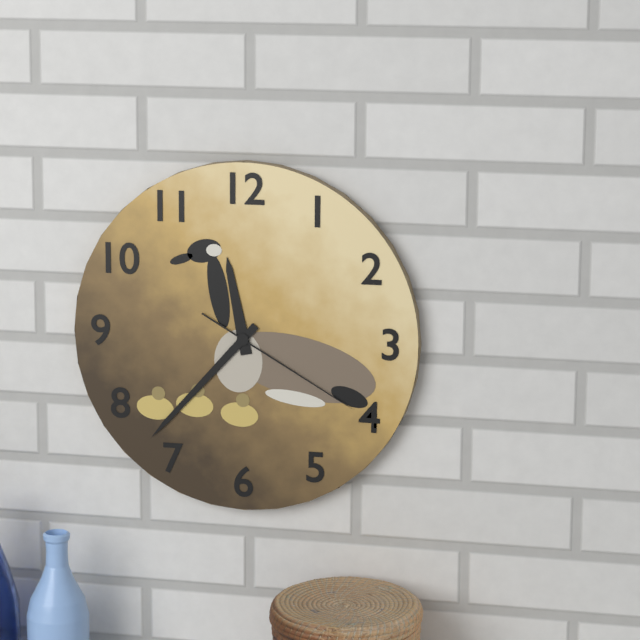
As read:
{"hour": 11, "minute": 37, "second": 20}
